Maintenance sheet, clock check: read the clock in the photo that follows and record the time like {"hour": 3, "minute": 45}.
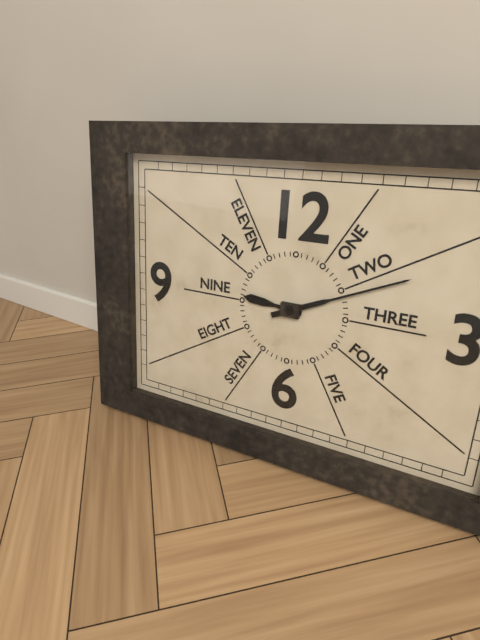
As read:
{"hour": 9, "minute": 11}
